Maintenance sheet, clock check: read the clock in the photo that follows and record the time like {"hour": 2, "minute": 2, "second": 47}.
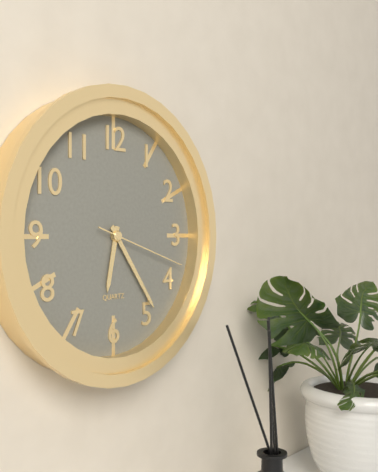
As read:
{"hour": 6, "minute": 24, "second": 18}
